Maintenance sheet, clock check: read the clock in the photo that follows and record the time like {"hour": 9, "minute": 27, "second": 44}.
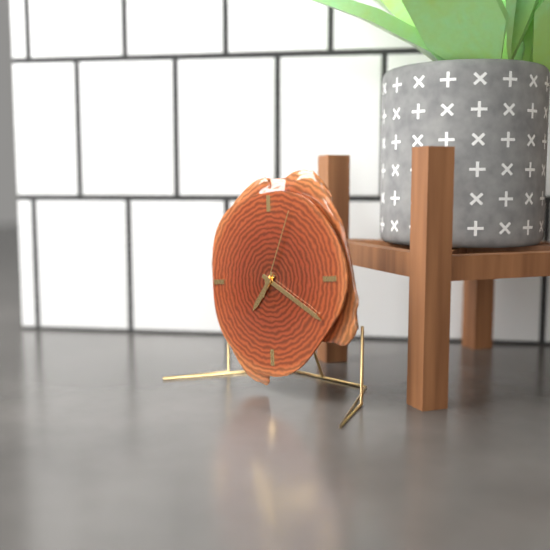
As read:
{"hour": 7, "minute": 20, "second": 4}
